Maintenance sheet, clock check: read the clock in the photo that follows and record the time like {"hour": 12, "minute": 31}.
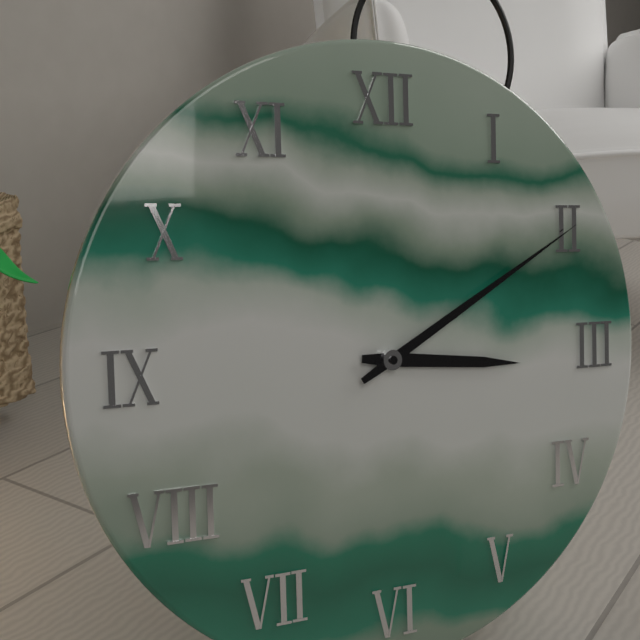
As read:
{"hour": 3, "minute": 10}
